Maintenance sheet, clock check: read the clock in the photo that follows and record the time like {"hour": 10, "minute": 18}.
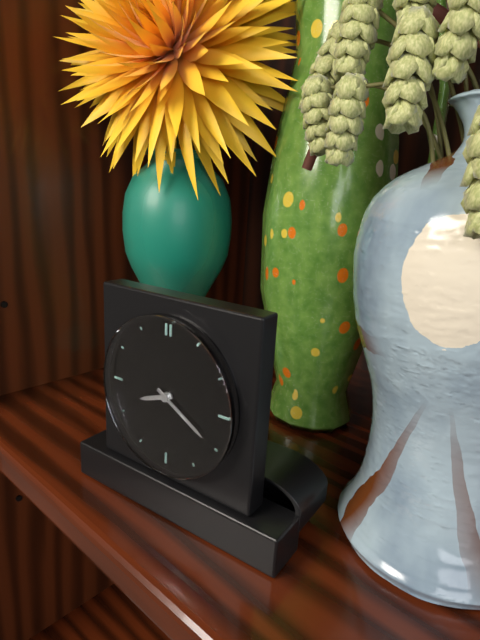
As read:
{"hour": 8, "minute": 20}
